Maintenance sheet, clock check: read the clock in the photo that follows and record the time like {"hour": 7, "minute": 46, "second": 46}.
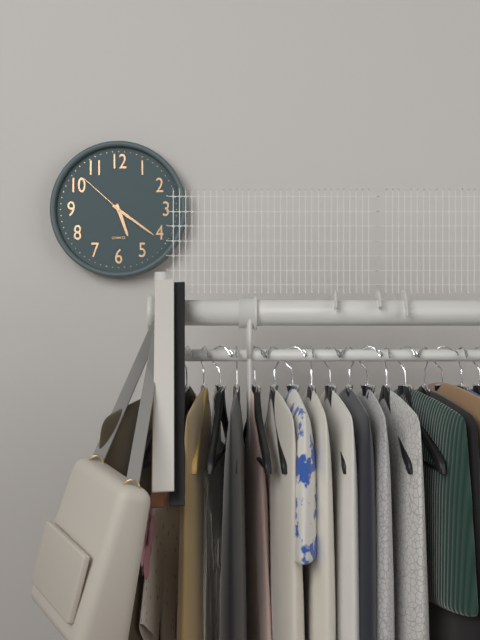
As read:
{"hour": 5, "minute": 21, "second": 52}
